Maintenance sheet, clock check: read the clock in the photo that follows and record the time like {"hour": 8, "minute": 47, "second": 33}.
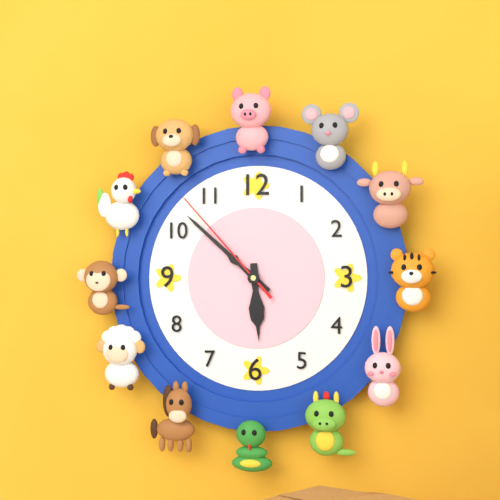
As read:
{"hour": 5, "minute": 52, "second": 53}
